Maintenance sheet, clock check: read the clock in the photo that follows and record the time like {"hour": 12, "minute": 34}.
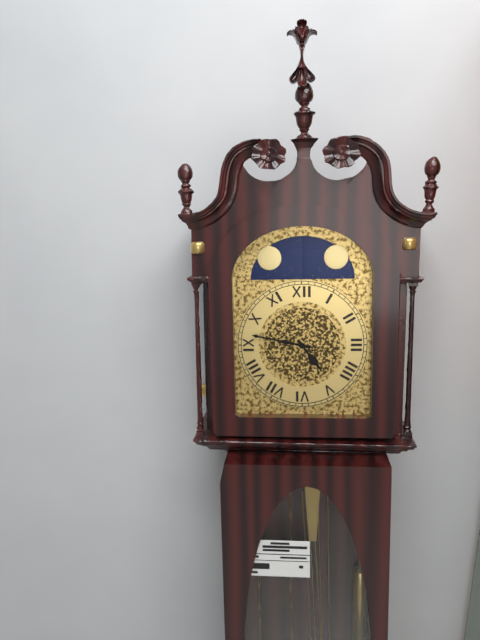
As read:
{"hour": 4, "minute": 47}
